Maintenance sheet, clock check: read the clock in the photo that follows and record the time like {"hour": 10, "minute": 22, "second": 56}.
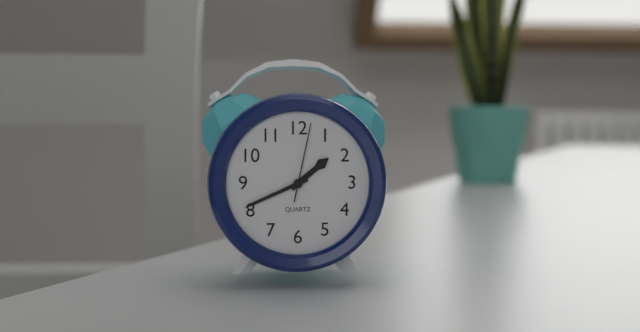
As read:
{"hour": 1, "minute": 41, "second": 2}
